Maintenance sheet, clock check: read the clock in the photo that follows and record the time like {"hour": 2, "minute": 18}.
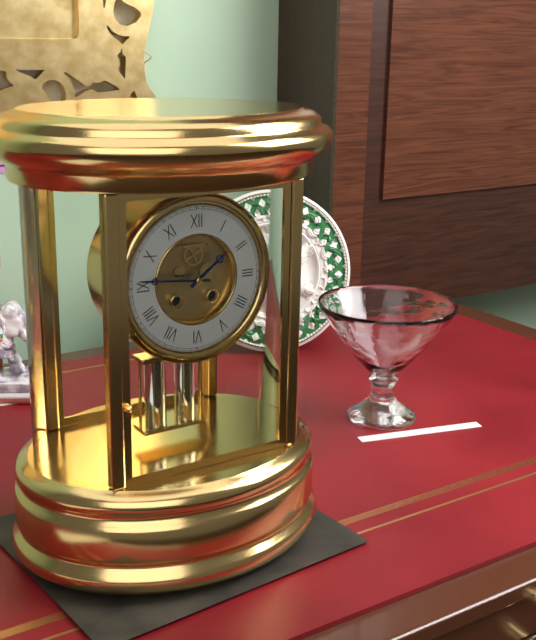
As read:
{"hour": 1, "minute": 46}
